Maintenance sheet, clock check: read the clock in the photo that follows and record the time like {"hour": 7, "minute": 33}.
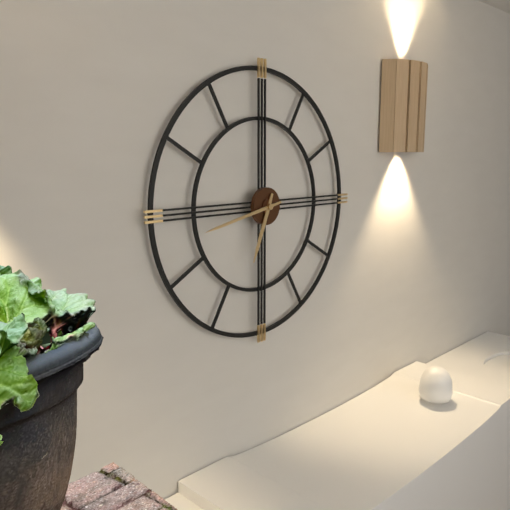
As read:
{"hour": 6, "minute": 43}
